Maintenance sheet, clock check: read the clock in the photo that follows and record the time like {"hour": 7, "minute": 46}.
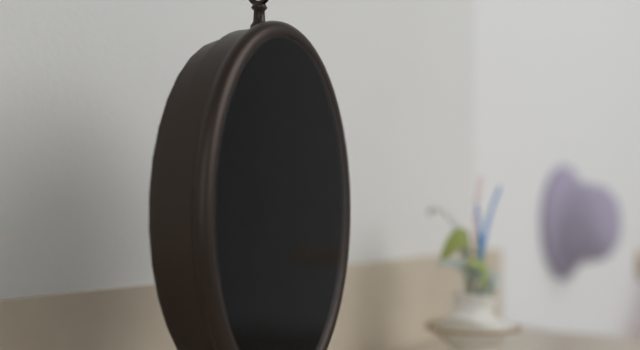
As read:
{"hour": 4, "minute": 10}
